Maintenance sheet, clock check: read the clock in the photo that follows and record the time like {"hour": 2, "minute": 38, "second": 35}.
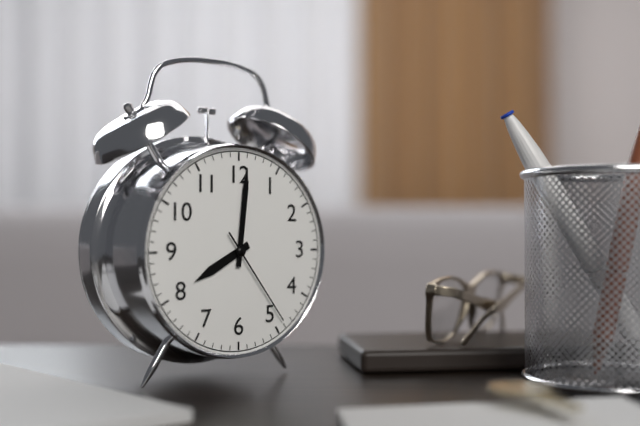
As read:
{"hour": 8, "minute": 1, "second": 24}
